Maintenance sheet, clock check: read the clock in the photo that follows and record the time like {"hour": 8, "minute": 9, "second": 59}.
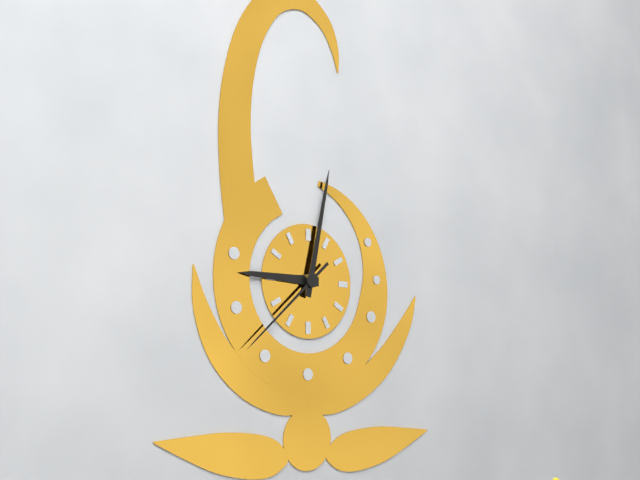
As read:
{"hour": 9, "minute": 2, "second": 38}
